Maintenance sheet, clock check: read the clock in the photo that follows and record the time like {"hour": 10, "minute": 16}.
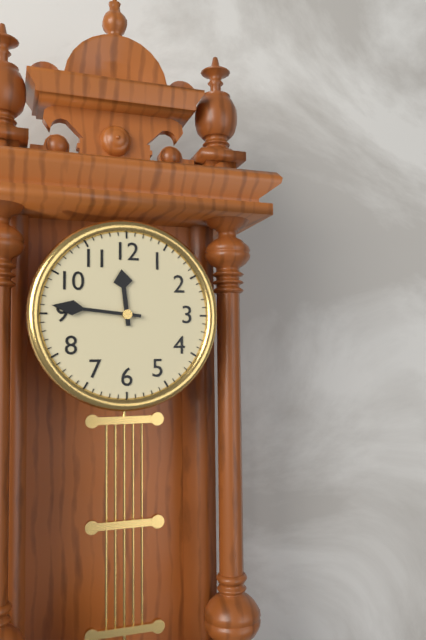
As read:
{"hour": 11, "minute": 46}
